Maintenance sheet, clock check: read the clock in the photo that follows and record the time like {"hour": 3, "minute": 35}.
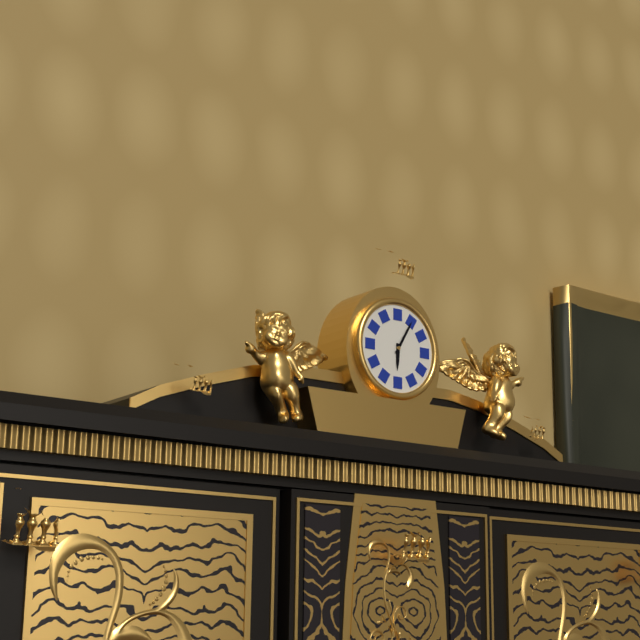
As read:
{"hour": 6, "minute": 5}
